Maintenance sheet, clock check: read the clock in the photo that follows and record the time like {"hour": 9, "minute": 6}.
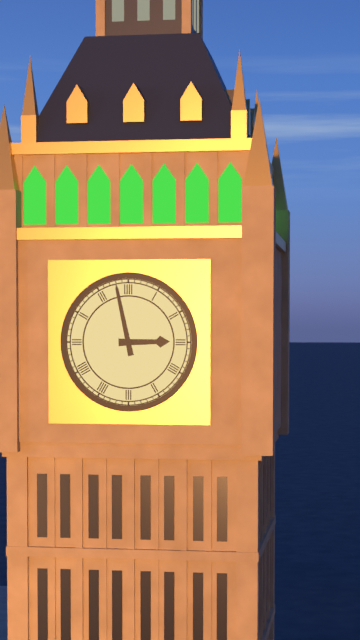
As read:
{"hour": 2, "minute": 58}
